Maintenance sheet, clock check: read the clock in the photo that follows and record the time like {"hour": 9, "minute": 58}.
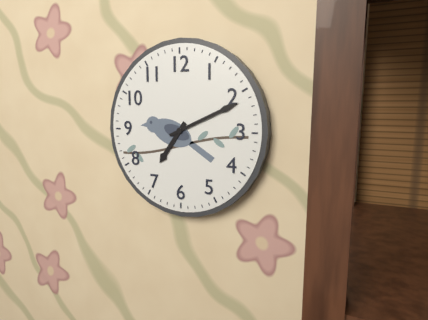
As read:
{"hour": 7, "minute": 11}
